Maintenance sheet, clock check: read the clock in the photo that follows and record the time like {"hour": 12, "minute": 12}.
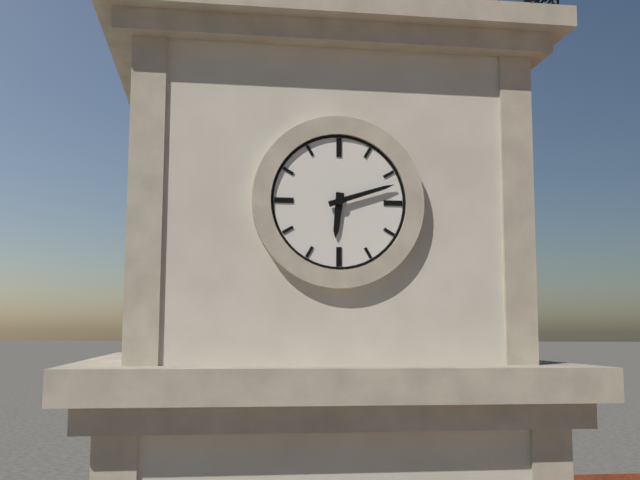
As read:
{"hour": 6, "minute": 12}
